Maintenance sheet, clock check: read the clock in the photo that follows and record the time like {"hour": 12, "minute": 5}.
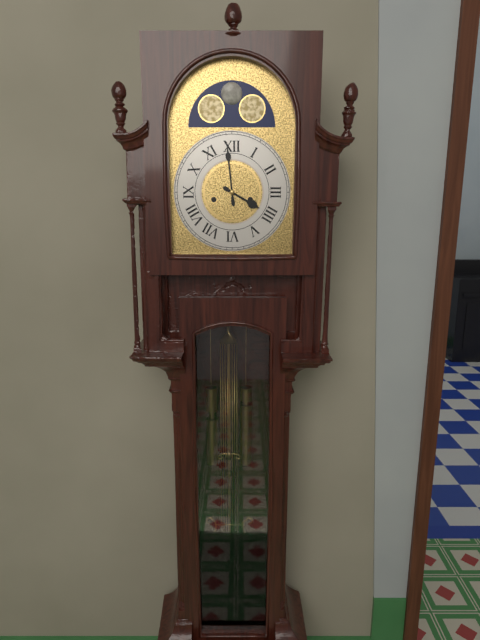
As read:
{"hour": 3, "minute": 59}
